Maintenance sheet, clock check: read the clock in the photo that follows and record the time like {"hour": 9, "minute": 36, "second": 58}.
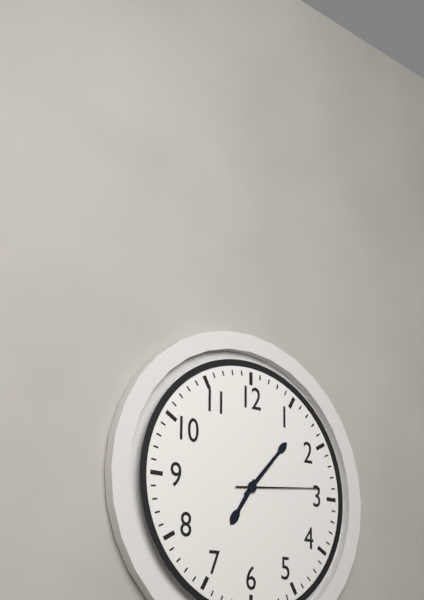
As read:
{"hour": 7, "minute": 7, "second": 14}
